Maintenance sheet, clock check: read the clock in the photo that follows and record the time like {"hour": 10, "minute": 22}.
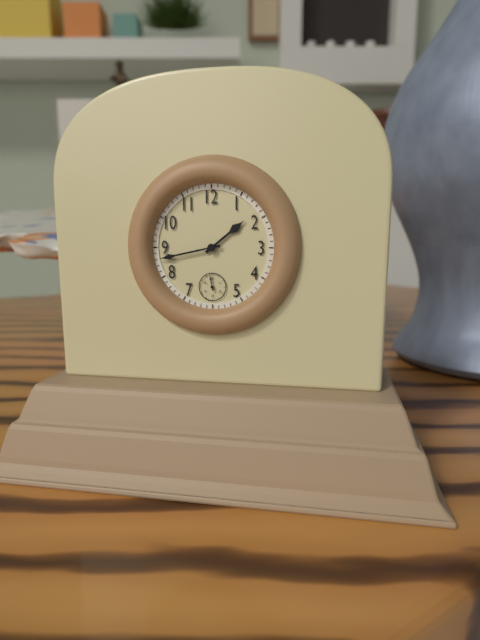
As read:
{"hour": 1, "minute": 43}
